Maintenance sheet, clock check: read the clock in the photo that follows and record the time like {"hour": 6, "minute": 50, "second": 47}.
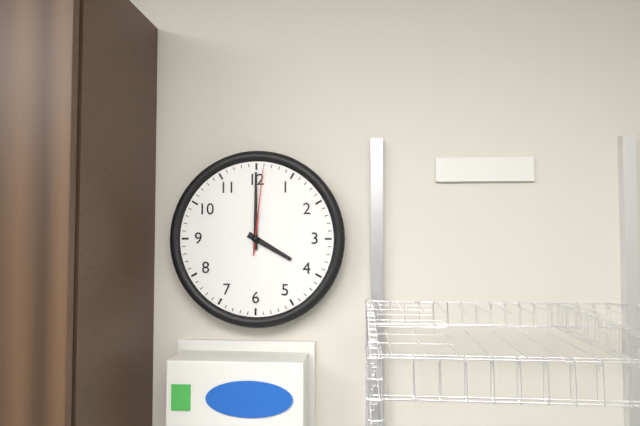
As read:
{"hour": 4, "minute": 0, "second": 1}
